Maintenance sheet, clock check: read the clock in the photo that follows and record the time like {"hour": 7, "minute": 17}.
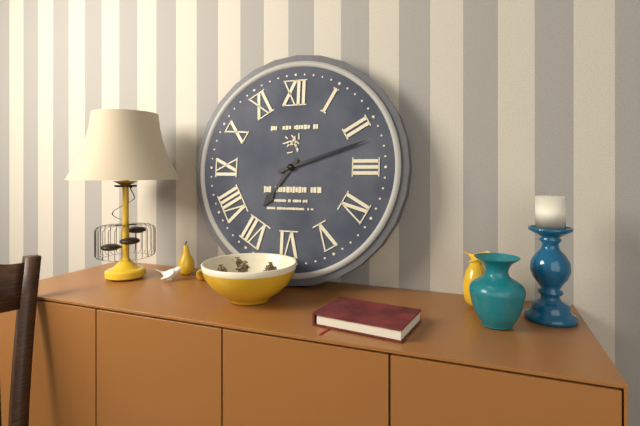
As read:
{"hour": 7, "minute": 12}
